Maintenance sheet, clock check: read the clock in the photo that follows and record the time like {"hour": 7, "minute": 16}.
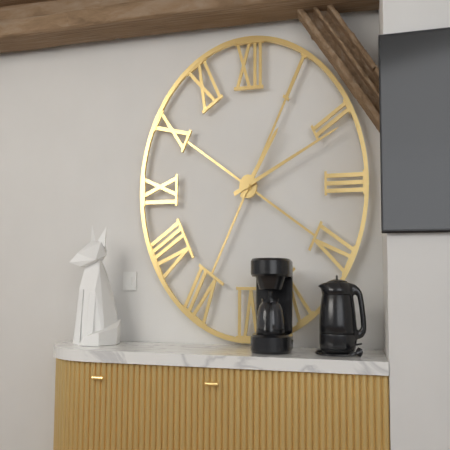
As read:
{"hour": 1, "minute": 11}
